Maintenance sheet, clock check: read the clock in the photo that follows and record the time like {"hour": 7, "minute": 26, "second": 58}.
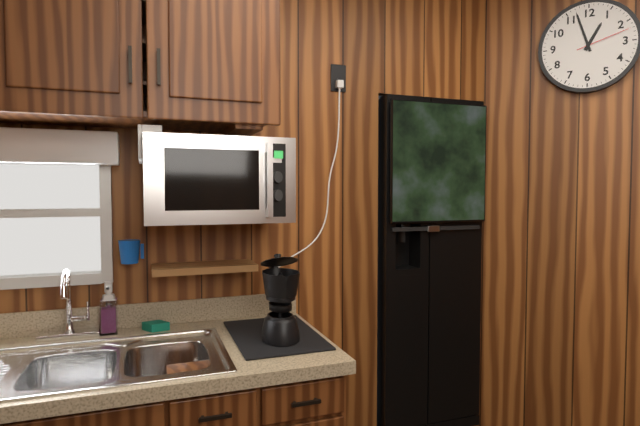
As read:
{"hour": 12, "minute": 57, "second": 12}
